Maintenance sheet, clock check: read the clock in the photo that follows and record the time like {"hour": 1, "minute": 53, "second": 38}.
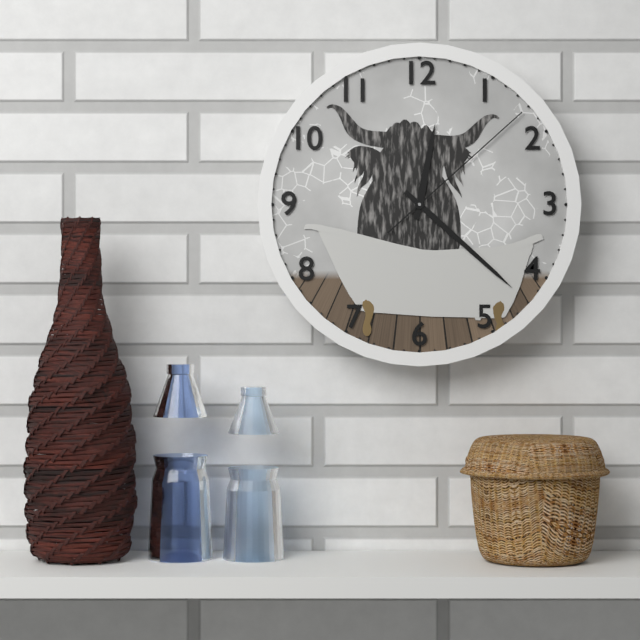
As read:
{"hour": 12, "minute": 22, "second": 8}
